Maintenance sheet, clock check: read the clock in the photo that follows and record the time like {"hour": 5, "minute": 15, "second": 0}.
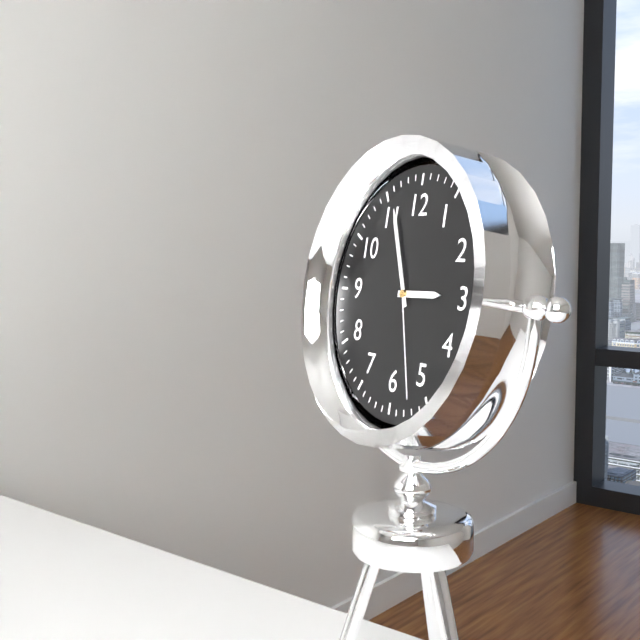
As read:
{"hour": 2, "minute": 56, "second": 27}
